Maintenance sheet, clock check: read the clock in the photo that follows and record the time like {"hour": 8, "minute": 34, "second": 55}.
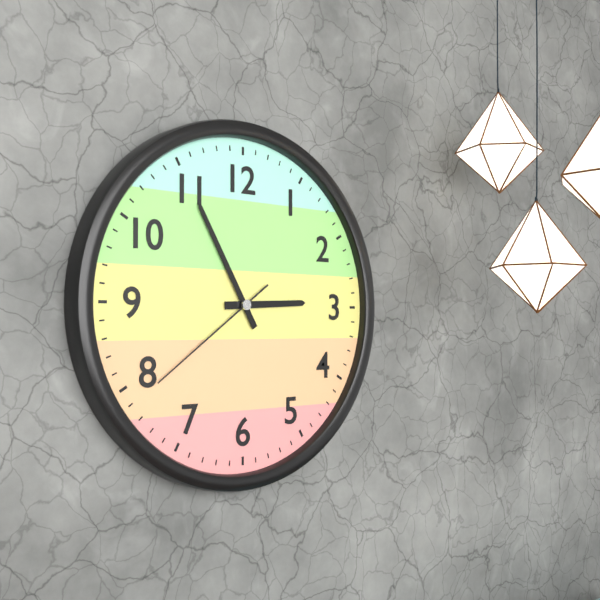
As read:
{"hour": 2, "minute": 55, "second": 39}
